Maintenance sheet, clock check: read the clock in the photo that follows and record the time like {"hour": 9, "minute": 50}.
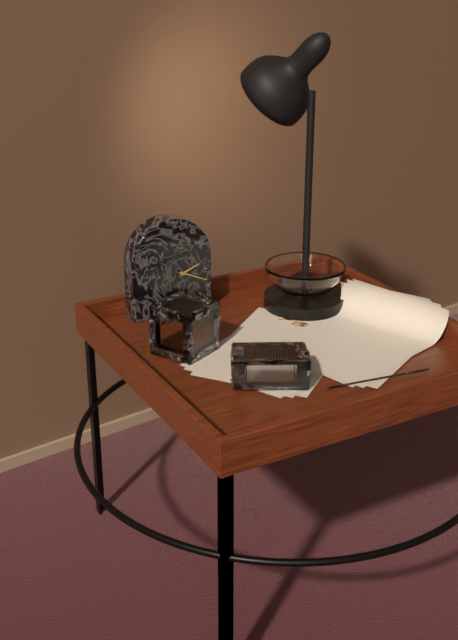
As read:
{"hour": 2, "minute": 19}
